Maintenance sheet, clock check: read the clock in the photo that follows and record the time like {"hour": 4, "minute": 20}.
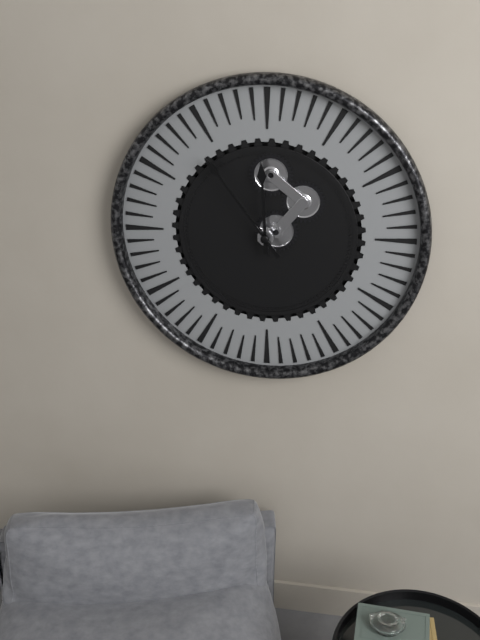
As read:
{"hour": 11, "minute": 54}
